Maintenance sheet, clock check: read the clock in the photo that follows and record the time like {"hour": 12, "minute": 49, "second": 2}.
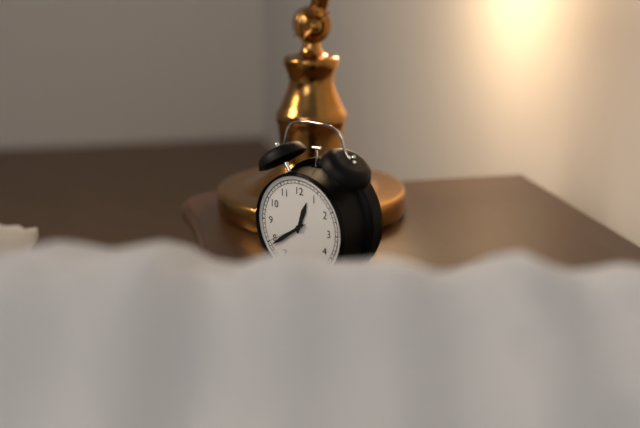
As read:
{"hour": 12, "minute": 39, "second": 40}
